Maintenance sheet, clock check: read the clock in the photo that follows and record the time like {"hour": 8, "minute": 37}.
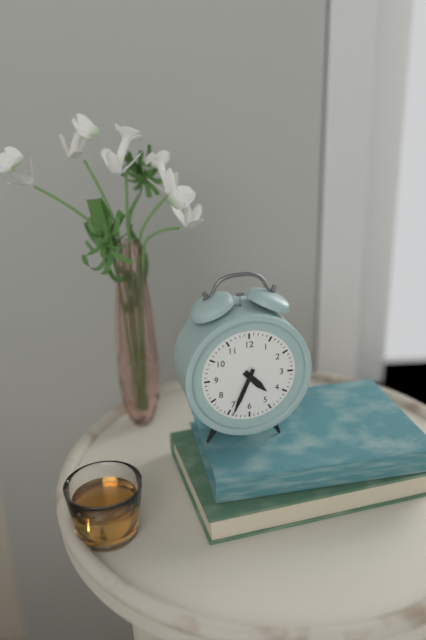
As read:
{"hour": 4, "minute": 34}
